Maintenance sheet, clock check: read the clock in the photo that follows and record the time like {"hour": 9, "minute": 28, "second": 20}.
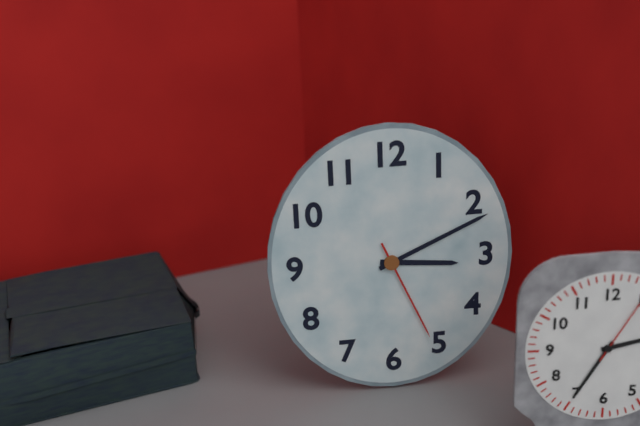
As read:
{"hour": 3, "minute": 11, "second": 26}
